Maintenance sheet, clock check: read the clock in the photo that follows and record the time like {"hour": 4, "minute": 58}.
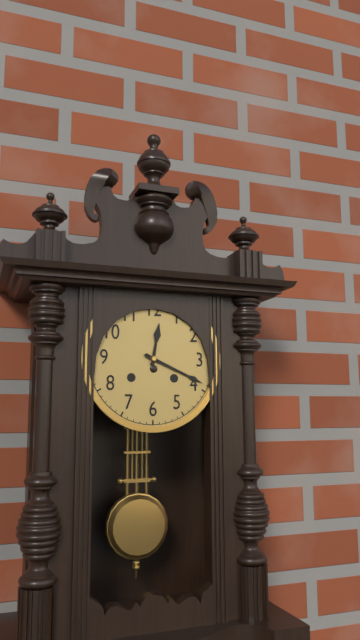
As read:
{"hour": 12, "minute": 19}
